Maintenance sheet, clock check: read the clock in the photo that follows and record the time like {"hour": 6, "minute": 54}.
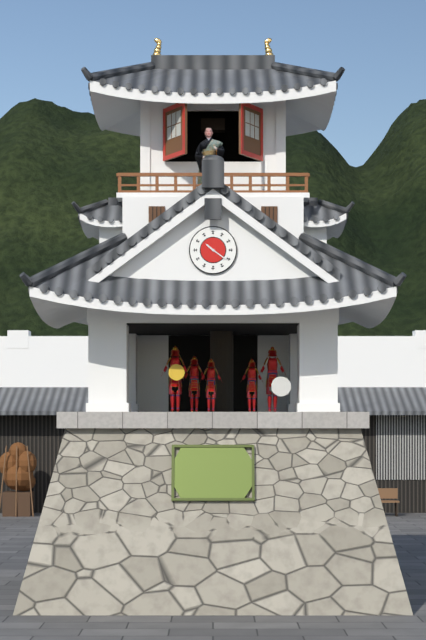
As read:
{"hour": 10, "minute": 21}
